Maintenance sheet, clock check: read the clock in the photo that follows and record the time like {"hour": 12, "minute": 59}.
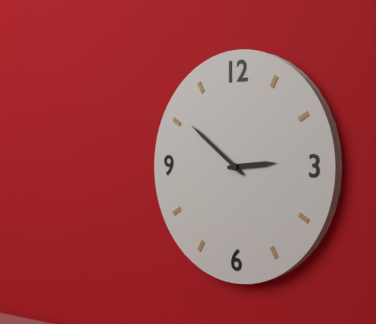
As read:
{"hour": 2, "minute": 51}
